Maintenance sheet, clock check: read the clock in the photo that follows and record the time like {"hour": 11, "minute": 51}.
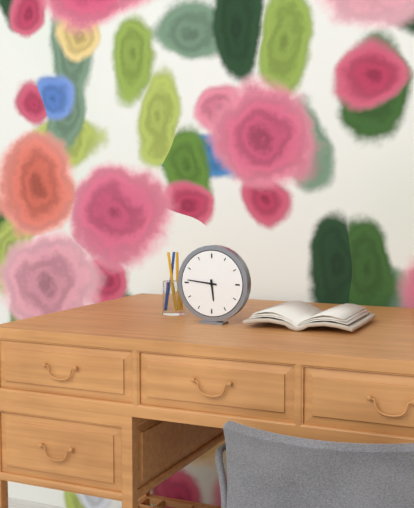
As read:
{"hour": 5, "minute": 46}
